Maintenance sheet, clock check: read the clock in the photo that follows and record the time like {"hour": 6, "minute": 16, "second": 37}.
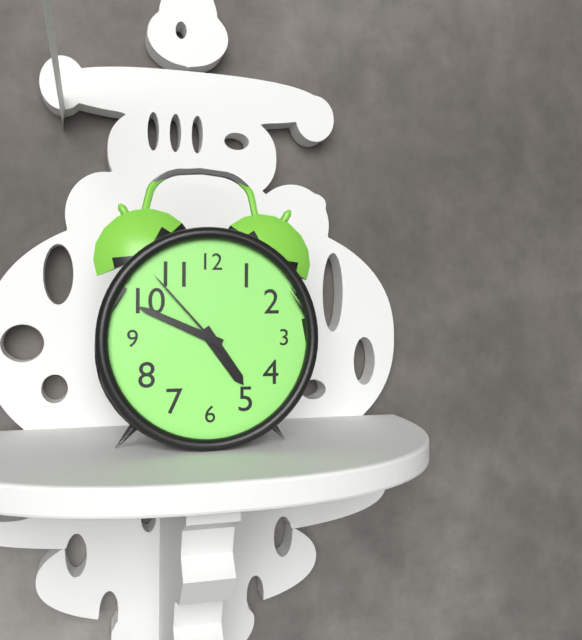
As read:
{"hour": 4, "minute": 49, "second": 53}
